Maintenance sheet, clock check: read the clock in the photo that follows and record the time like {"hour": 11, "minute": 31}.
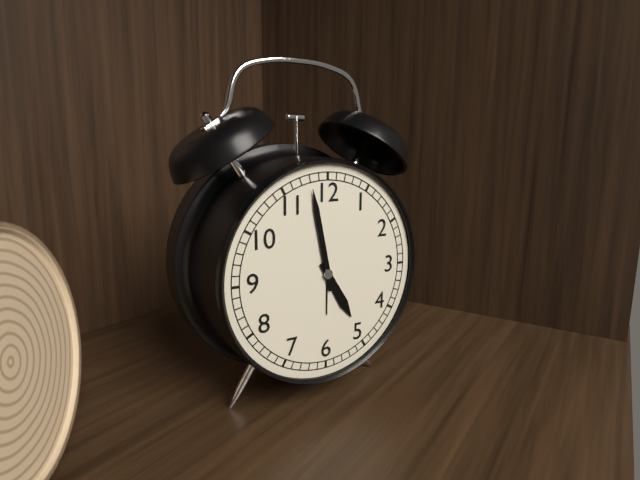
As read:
{"hour": 4, "minute": 58}
